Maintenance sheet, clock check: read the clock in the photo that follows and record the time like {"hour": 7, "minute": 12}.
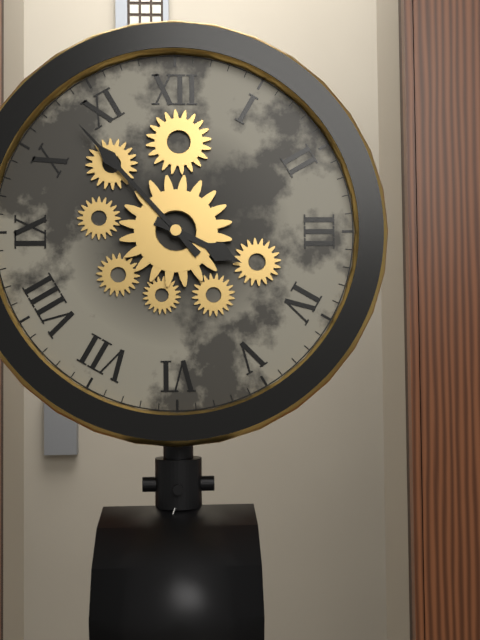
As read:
{"hour": 3, "minute": 53}
